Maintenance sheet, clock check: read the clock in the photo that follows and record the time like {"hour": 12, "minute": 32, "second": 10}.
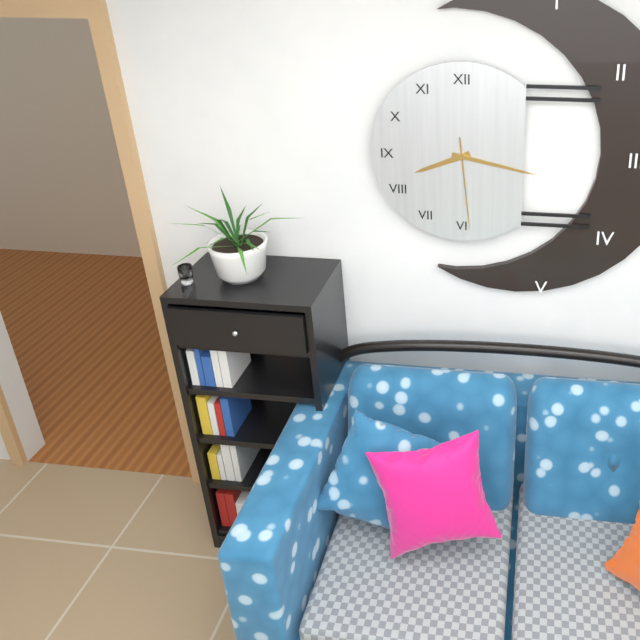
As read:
{"hour": 8, "minute": 17, "second": 29}
